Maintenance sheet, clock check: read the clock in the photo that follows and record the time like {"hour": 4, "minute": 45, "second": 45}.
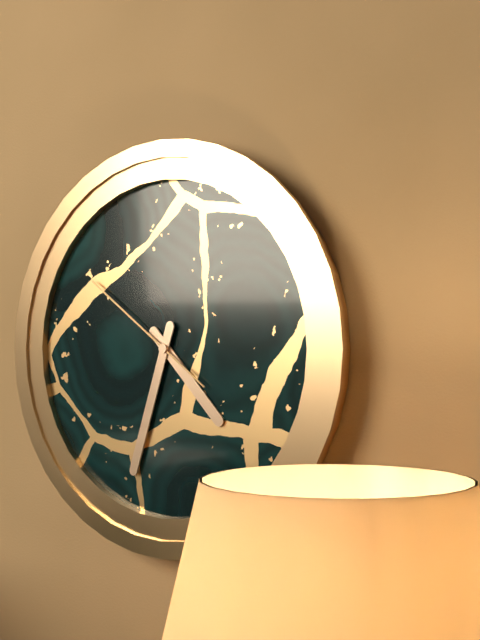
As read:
{"hour": 4, "minute": 33, "second": 51}
